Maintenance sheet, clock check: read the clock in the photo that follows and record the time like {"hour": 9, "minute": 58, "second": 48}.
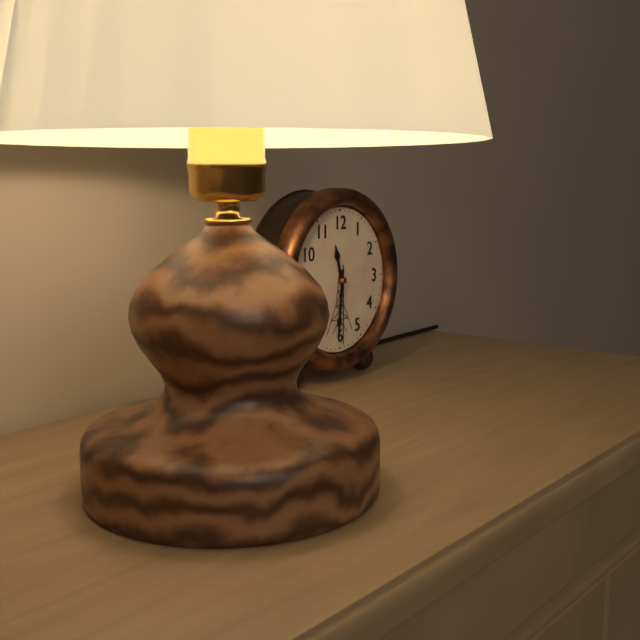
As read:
{"hour": 11, "minute": 31, "second": 30}
